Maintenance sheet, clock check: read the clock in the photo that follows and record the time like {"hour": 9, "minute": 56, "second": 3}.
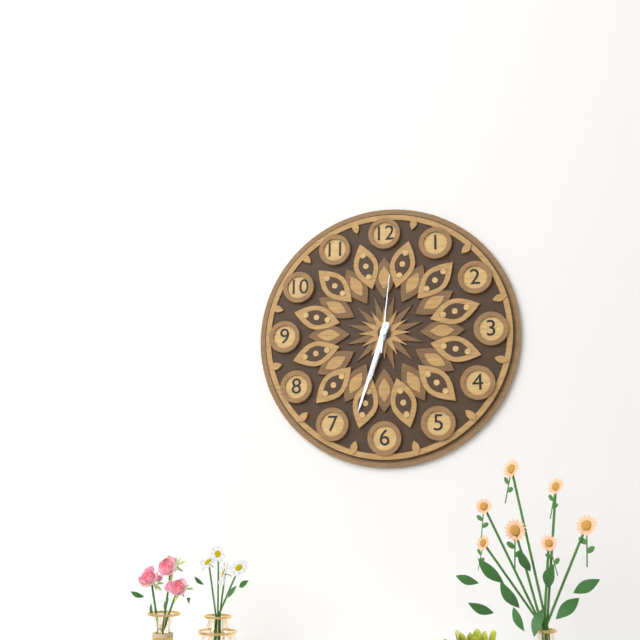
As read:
{"hour": 6, "minute": 33, "second": 1}
